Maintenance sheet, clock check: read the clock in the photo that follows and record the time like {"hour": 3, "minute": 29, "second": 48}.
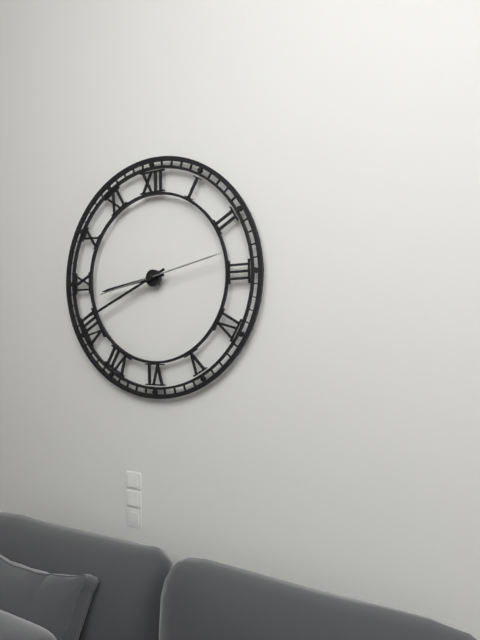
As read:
{"hour": 8, "minute": 41, "second": 13}
